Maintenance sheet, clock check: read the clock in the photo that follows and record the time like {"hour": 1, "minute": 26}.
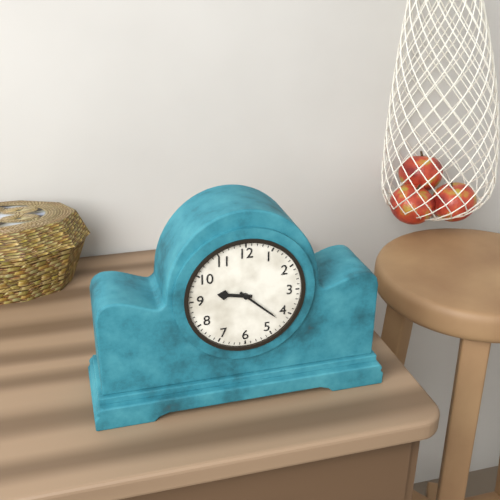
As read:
{"hour": 9, "minute": 22}
